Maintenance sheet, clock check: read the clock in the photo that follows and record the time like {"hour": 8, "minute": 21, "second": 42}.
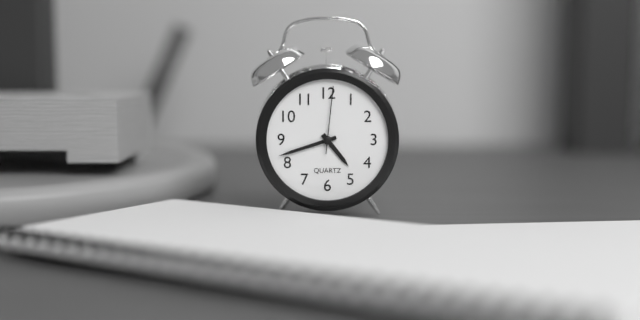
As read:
{"hour": 4, "minute": 42, "second": 1}
